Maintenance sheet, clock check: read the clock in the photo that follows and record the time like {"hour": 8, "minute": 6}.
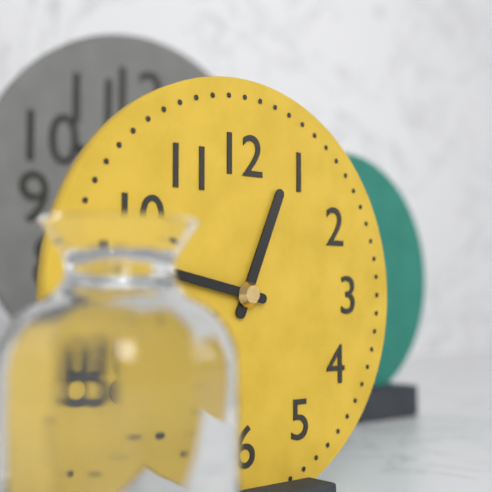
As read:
{"hour": 12, "minute": 47}
